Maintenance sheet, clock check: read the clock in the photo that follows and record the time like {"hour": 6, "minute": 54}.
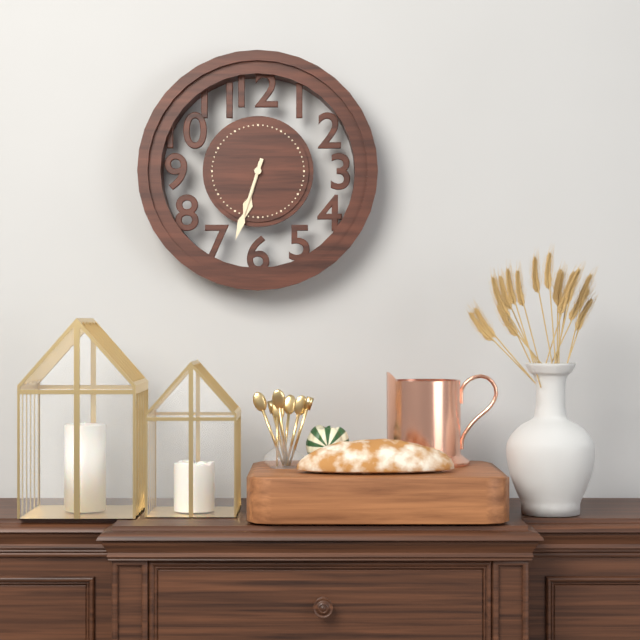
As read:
{"hour": 6, "minute": 33}
